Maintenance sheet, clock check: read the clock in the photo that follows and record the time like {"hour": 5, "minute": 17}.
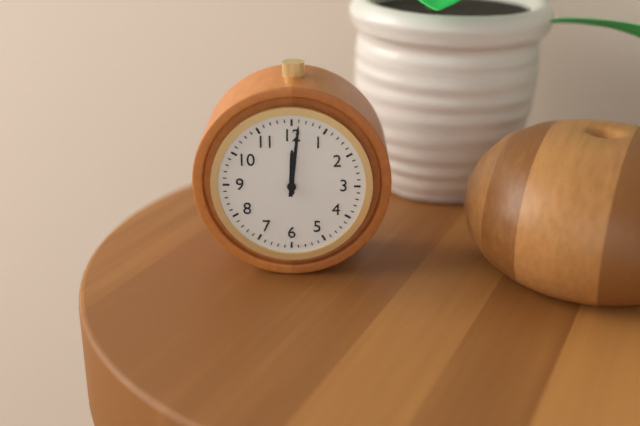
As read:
{"hour": 12, "minute": 1}
